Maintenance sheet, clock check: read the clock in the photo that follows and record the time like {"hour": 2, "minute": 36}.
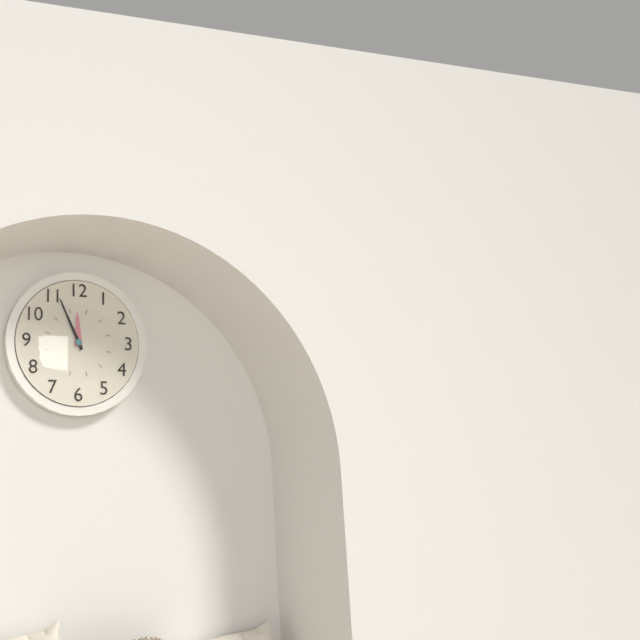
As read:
{"hour": 11, "minute": 56}
